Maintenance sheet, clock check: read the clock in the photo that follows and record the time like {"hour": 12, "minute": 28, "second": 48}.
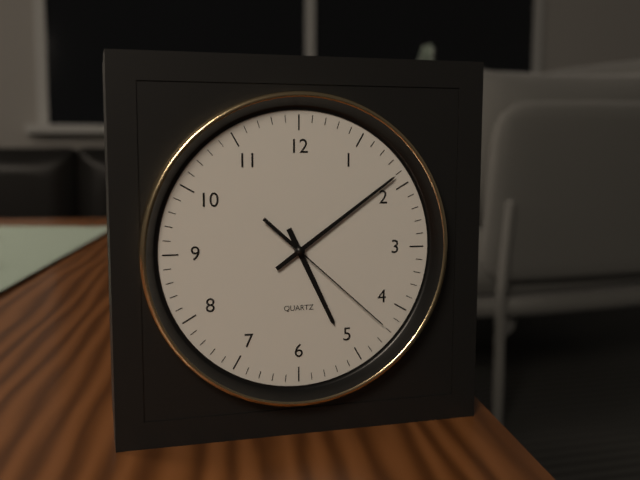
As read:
{"hour": 5, "minute": 9, "second": 22}
